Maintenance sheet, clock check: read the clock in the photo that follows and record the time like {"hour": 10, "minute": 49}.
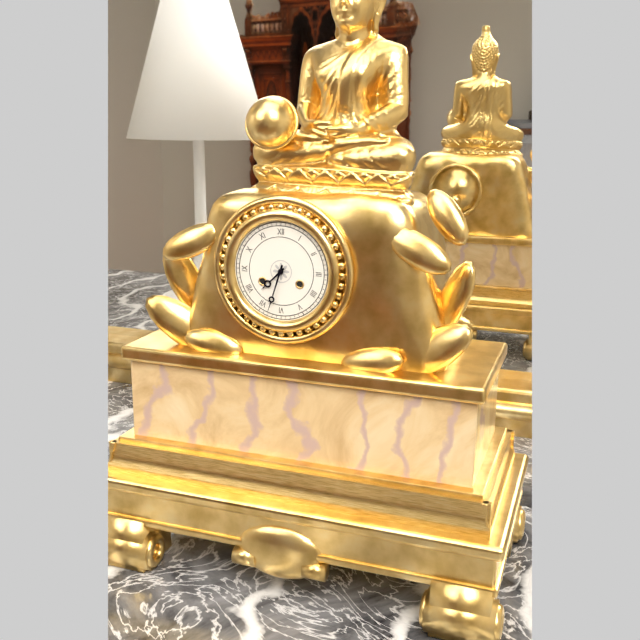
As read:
{"hour": 7, "minute": 33}
